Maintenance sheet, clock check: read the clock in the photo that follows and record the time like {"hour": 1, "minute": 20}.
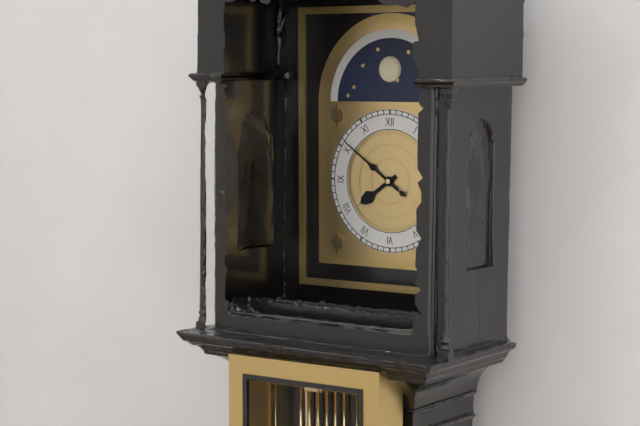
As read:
{"hour": 7, "minute": 51}
